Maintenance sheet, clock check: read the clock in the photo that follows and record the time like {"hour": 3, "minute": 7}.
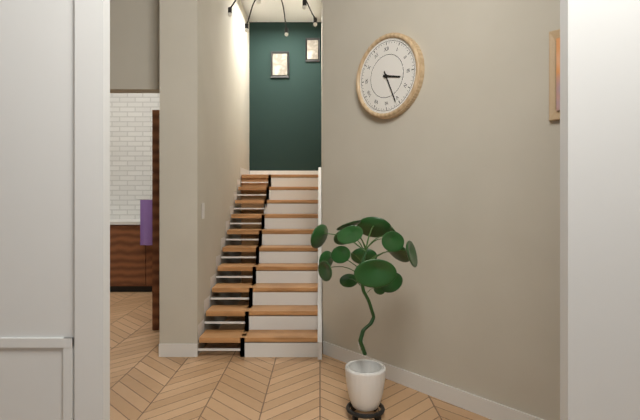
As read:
{"hour": 3, "minute": 26}
